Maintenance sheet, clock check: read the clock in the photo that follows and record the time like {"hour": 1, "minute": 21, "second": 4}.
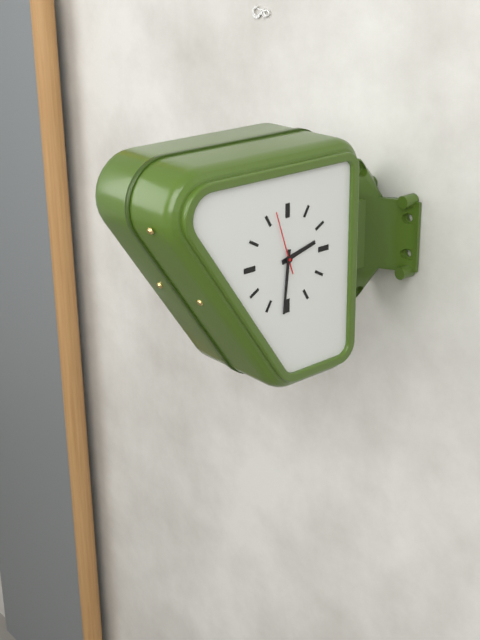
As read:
{"hour": 2, "minute": 31, "second": 57}
